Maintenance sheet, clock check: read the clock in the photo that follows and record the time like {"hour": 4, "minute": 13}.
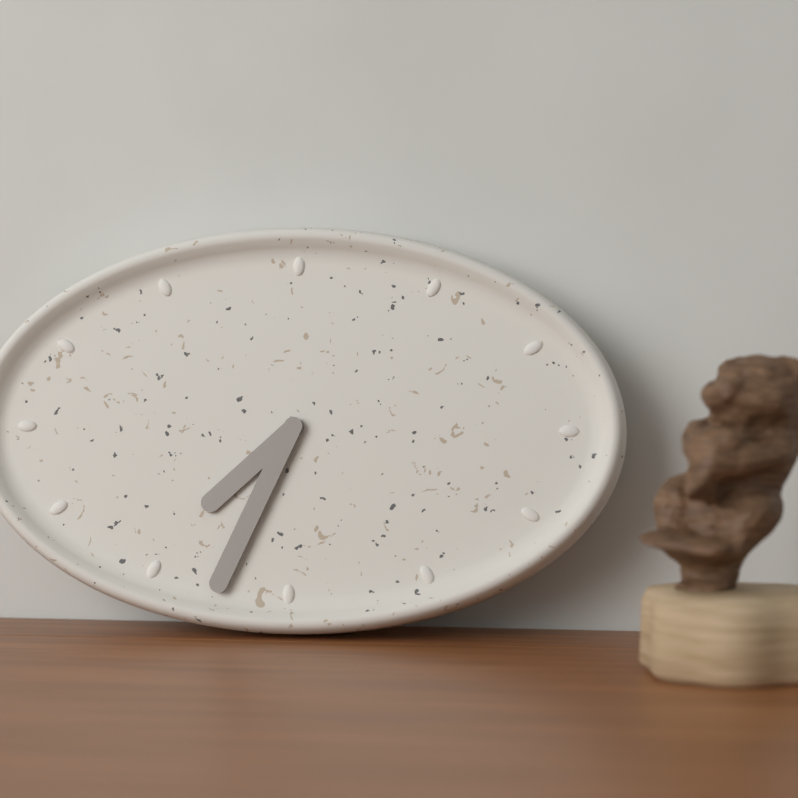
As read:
{"hour": 7, "minute": 34}
